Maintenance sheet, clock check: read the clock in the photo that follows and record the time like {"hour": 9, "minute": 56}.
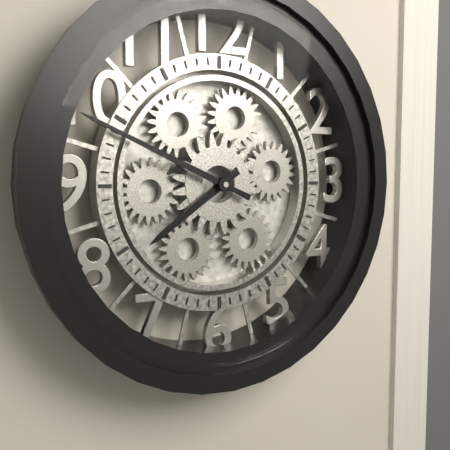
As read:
{"hour": 7, "minute": 49}
